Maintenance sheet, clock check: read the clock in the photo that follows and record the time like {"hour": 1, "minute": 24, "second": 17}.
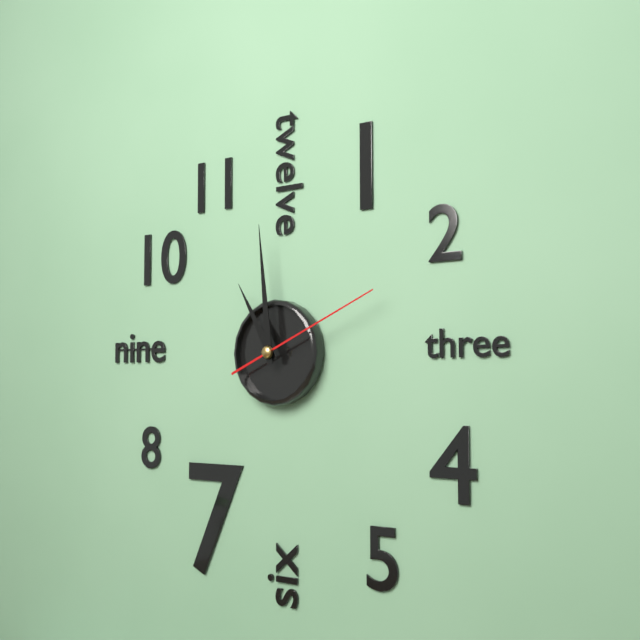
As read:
{"hour": 10, "minute": 59, "second": 11}
